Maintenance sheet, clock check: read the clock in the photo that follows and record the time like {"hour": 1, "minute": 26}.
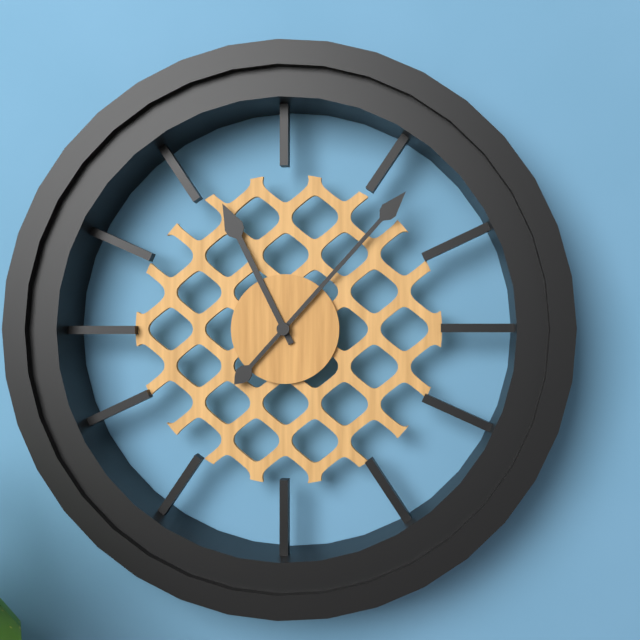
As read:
{"hour": 11, "minute": 7}
